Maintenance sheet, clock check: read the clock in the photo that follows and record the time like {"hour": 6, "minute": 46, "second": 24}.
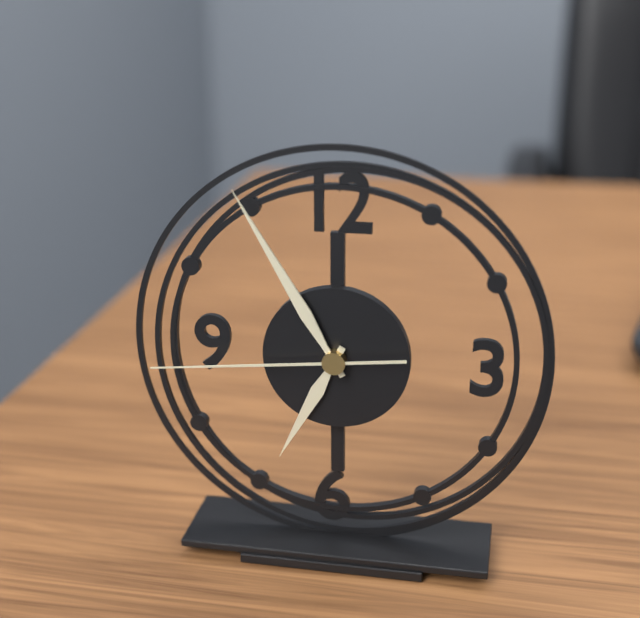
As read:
{"hour": 6, "minute": 55, "second": 44}
